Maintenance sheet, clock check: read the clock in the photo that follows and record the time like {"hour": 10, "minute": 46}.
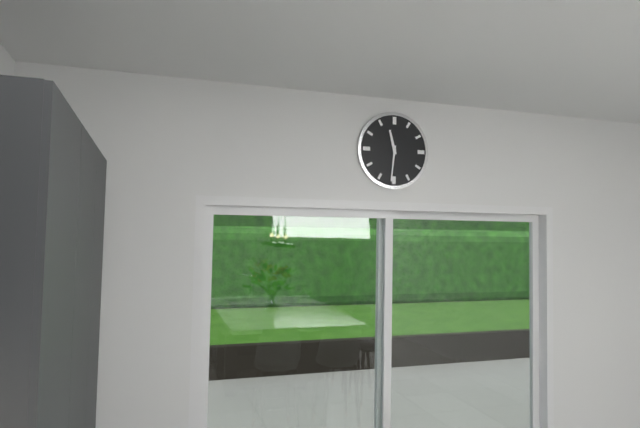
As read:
{"hour": 11, "minute": 31}
